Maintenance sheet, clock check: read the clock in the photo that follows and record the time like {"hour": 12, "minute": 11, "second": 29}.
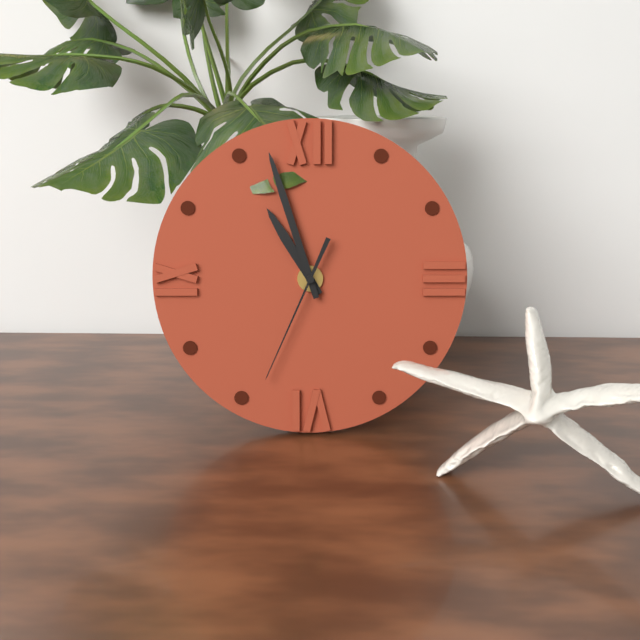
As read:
{"hour": 10, "minute": 57, "second": 34}
